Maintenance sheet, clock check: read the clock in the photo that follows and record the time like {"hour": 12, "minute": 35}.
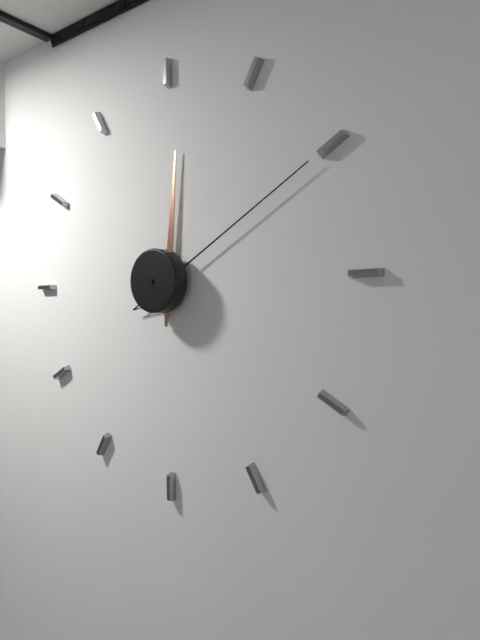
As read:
{"hour": 12, "minute": 10}
